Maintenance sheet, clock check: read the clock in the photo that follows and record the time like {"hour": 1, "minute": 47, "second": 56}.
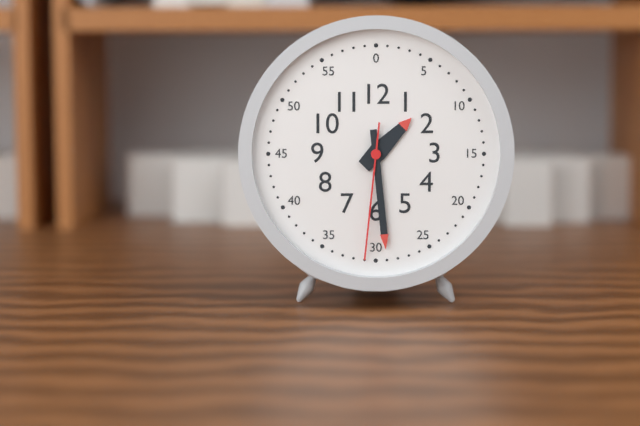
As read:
{"hour": 1, "minute": 29, "second": 31}
